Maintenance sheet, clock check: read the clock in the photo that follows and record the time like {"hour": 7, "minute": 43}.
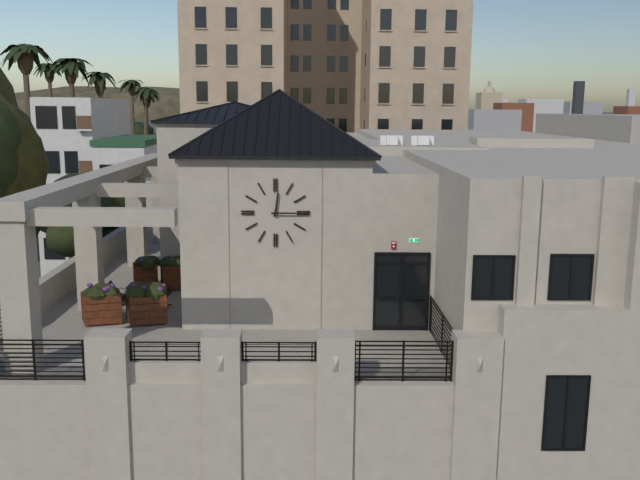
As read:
{"hour": 12, "minute": 15}
